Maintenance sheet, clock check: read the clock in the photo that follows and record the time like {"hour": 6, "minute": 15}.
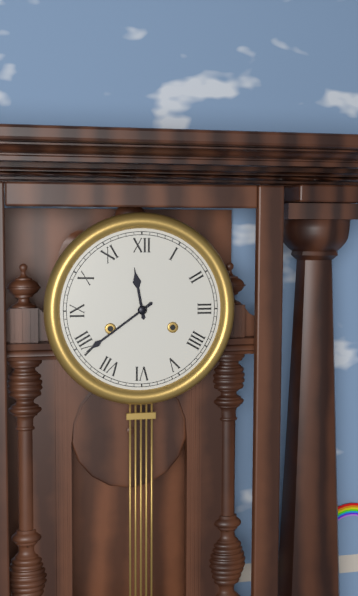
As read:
{"hour": 11, "minute": 39}
